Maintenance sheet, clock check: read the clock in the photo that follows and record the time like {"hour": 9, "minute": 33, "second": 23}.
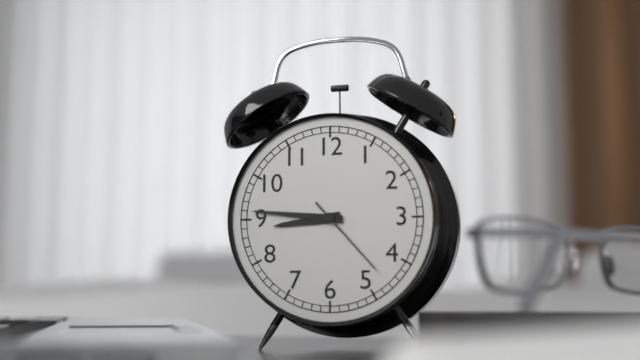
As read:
{"hour": 8, "minute": 46, "second": 23}
